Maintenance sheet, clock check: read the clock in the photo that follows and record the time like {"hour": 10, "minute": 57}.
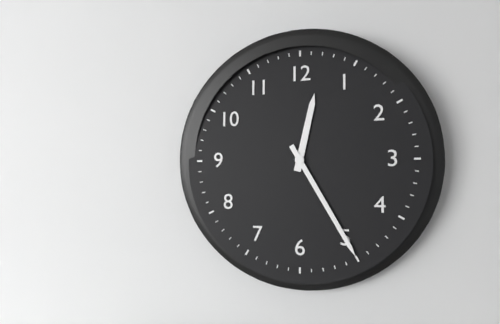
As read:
{"hour": 12, "minute": 25}
